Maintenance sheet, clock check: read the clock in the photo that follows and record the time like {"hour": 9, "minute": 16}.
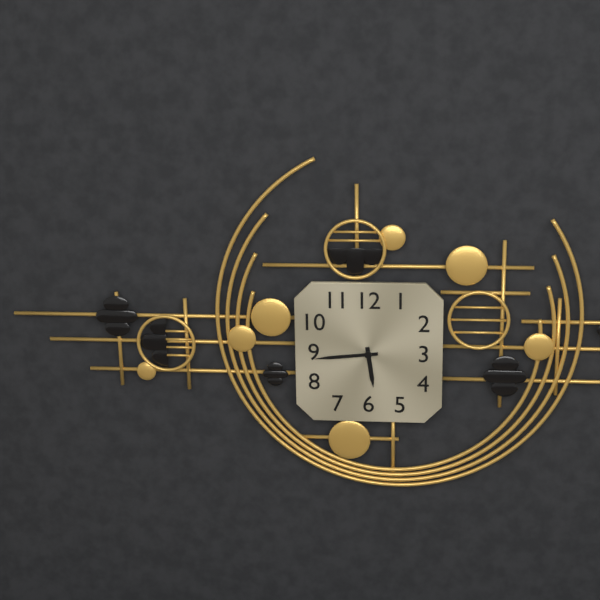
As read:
{"hour": 5, "minute": 44}
